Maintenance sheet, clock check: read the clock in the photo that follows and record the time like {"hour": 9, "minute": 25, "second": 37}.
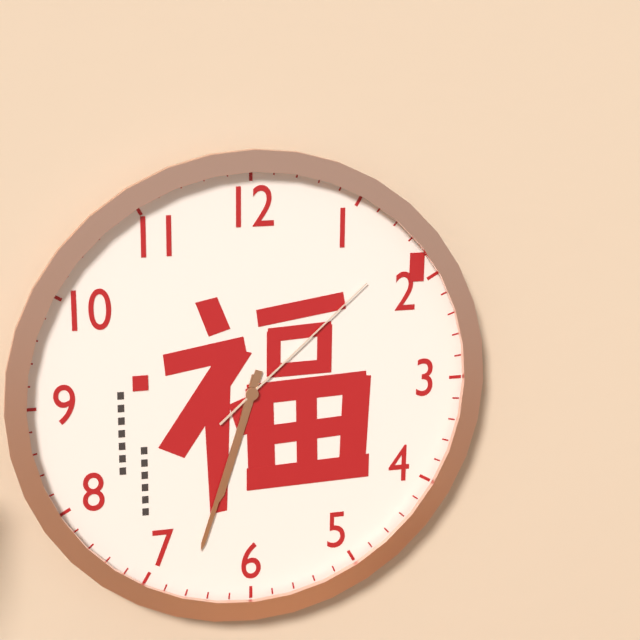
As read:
{"hour": 6, "minute": 33, "second": 8}
